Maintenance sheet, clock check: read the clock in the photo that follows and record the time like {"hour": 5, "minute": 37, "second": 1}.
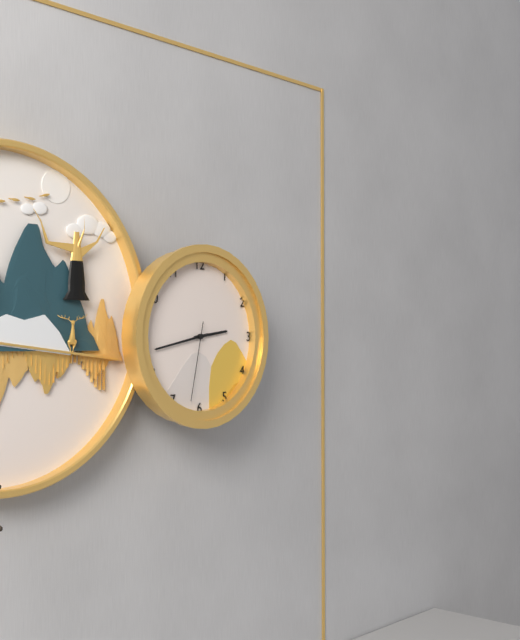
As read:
{"hour": 2, "minute": 43, "second": 32}
